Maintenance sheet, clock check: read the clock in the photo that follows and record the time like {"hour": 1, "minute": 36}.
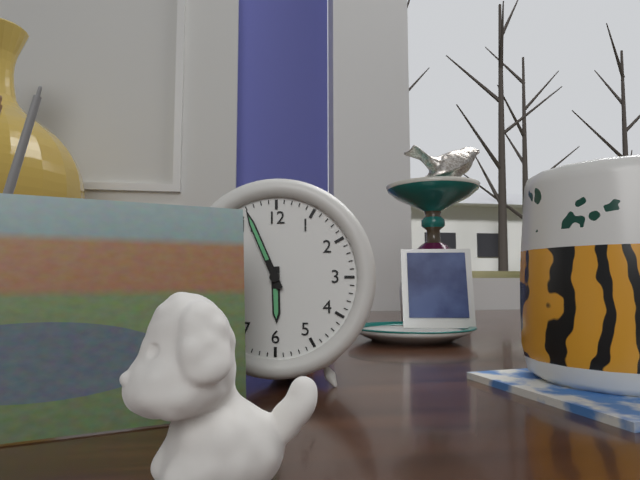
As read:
{"hour": 5, "minute": 56}
